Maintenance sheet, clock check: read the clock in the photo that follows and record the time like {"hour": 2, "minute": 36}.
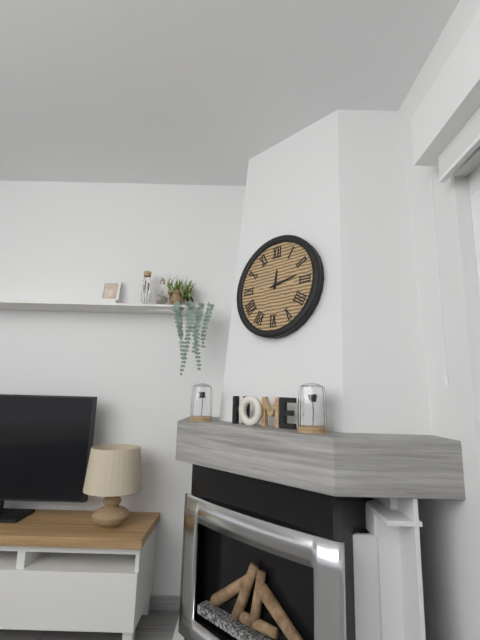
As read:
{"hour": 12, "minute": 13}
